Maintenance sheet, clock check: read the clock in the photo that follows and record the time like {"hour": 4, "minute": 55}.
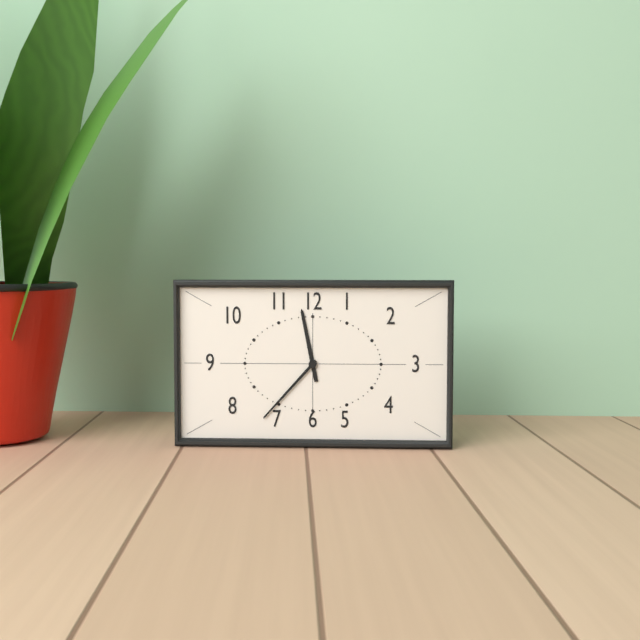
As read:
{"hour": 11, "minute": 37}
